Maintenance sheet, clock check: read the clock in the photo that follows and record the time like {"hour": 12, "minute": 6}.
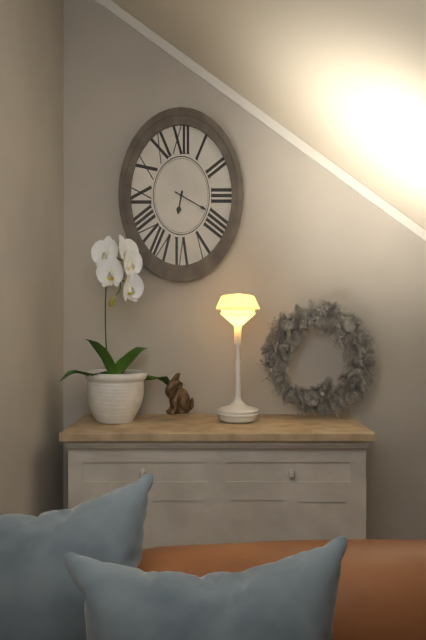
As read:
{"hour": 6, "minute": 20}
